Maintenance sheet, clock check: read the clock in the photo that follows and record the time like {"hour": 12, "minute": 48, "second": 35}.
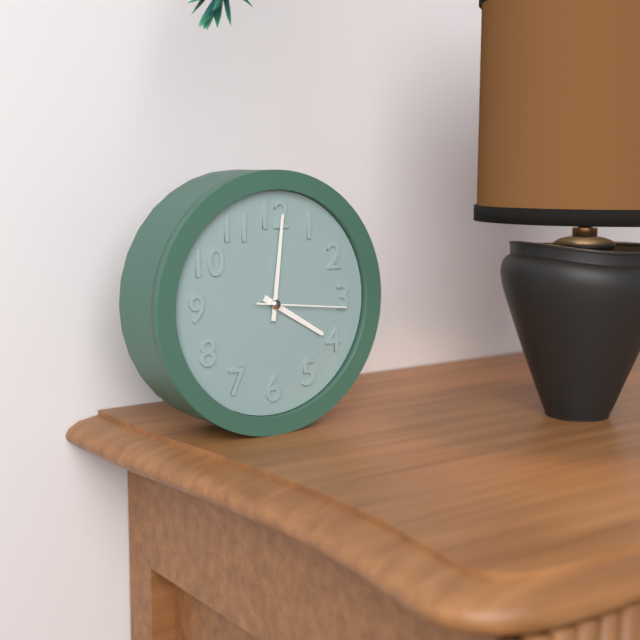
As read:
{"hour": 4, "minute": 1, "second": 16}
